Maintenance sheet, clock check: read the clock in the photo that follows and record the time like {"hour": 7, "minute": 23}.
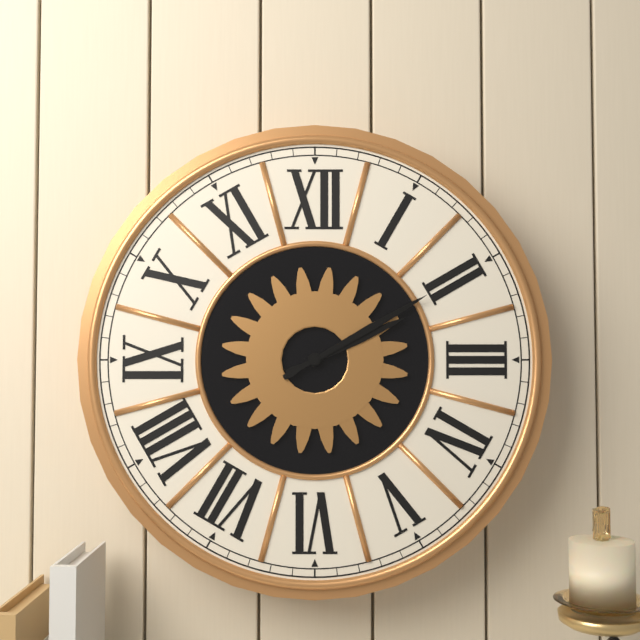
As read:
{"hour": 2, "minute": 10}
